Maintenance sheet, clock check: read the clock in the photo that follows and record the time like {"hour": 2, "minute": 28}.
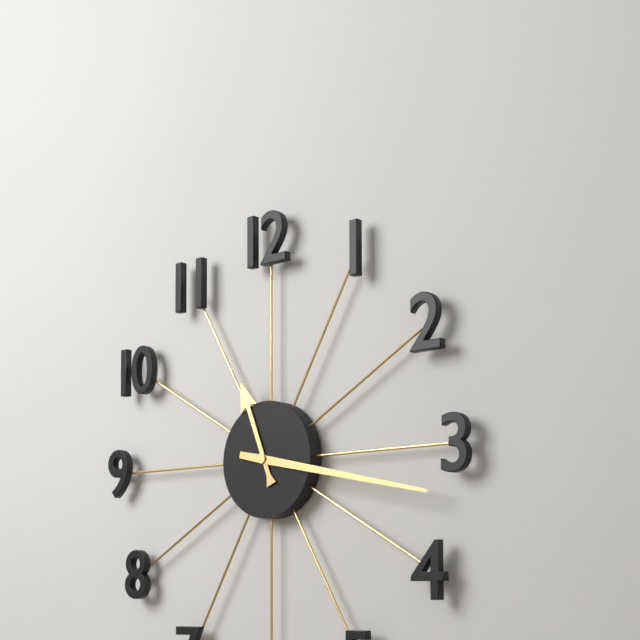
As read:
{"hour": 11, "minute": 17}
